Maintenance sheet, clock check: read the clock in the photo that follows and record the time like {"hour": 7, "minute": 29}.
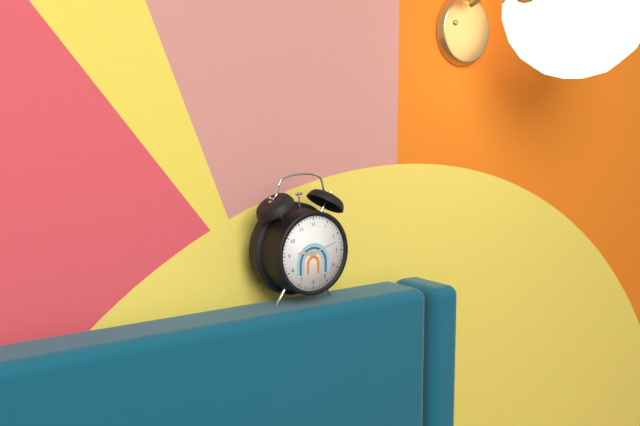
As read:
{"hour": 9, "minute": 12}
